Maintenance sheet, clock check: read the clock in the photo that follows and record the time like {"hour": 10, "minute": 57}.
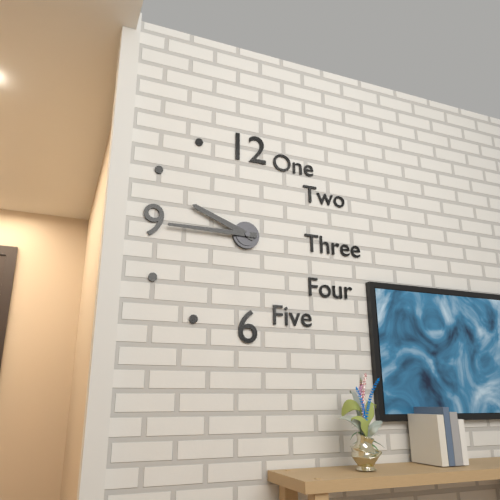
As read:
{"hour": 9, "minute": 45}
